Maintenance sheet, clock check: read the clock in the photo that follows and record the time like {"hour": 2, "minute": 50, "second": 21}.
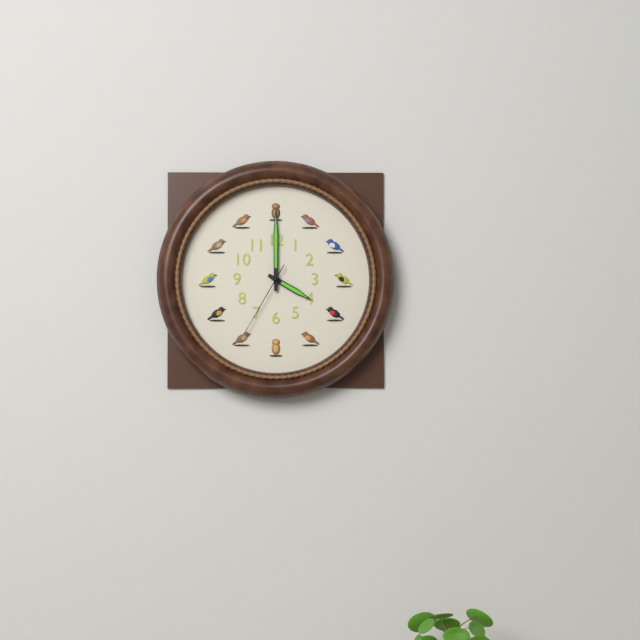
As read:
{"hour": 4, "minute": 0, "second": 35}
